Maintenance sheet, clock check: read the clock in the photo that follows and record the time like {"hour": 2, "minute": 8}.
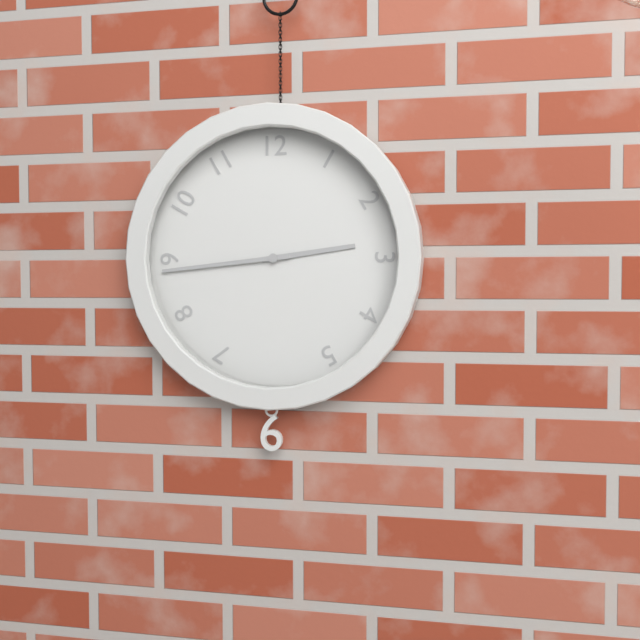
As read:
{"hour": 2, "minute": 44}
